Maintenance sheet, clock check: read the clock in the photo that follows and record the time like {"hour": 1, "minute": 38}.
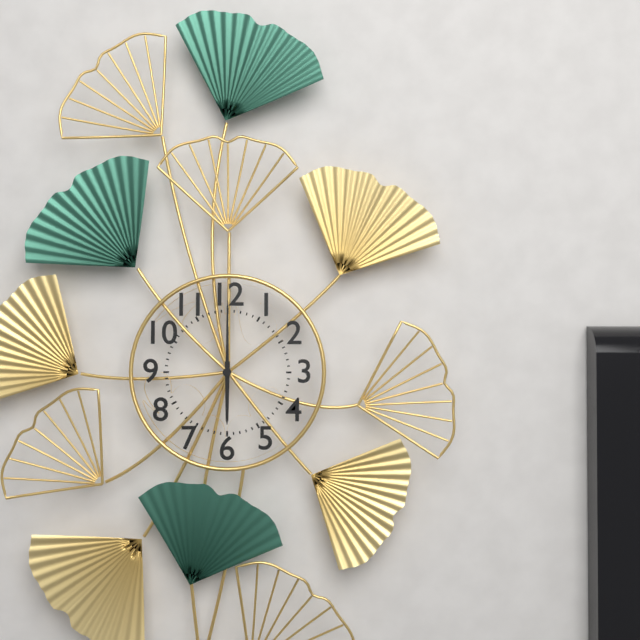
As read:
{"hour": 6, "minute": 0}
